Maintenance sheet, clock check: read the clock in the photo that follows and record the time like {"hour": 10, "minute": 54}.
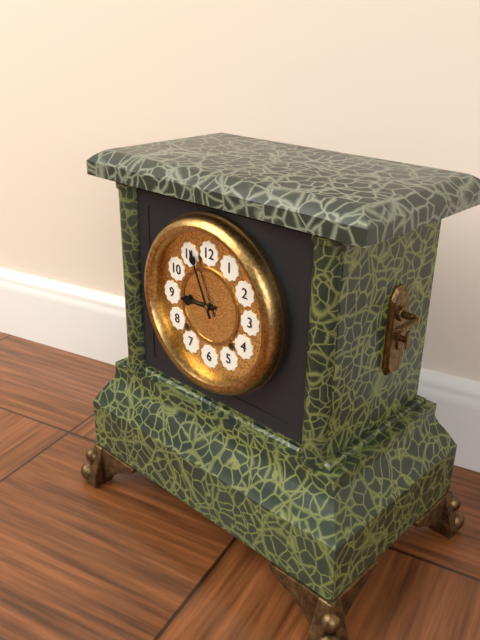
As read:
{"hour": 8, "minute": 56}
